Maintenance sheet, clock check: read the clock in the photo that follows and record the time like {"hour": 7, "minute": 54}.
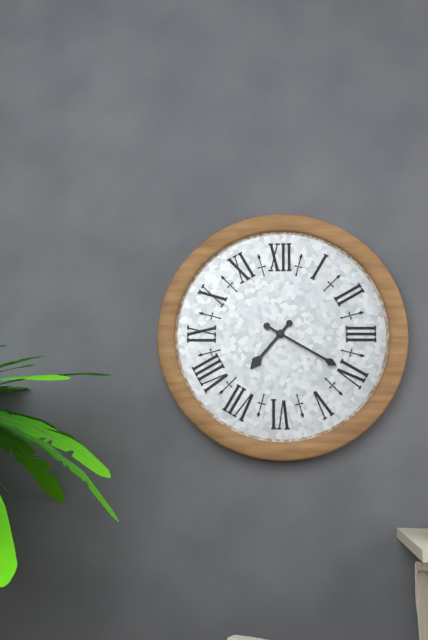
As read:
{"hour": 7, "minute": 20}
